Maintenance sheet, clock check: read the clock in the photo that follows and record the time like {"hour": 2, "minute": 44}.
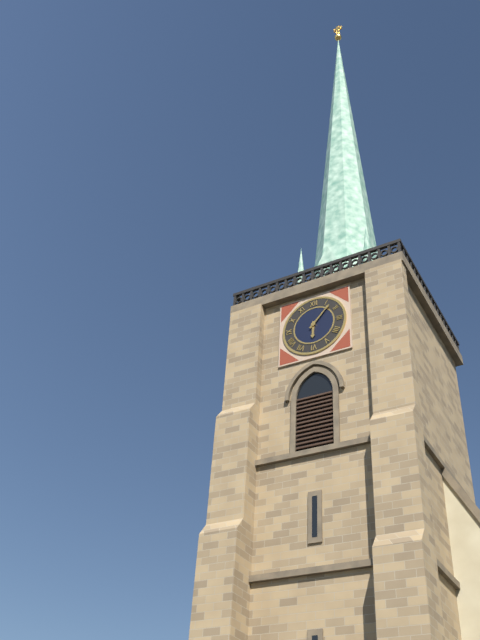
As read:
{"hour": 6, "minute": 7}
